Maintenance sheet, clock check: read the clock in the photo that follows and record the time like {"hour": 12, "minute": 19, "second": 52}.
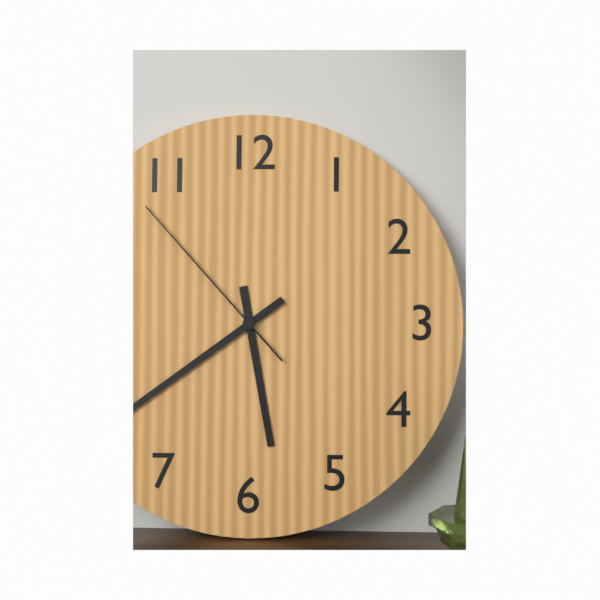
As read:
{"hour": 5, "minute": 39, "second": 53}
